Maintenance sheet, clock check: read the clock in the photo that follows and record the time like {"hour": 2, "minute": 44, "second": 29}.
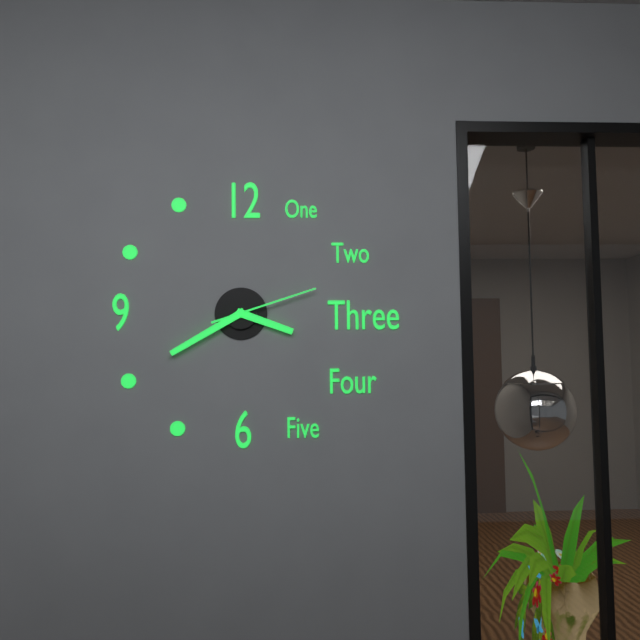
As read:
{"hour": 3, "minute": 40, "second": 12}
